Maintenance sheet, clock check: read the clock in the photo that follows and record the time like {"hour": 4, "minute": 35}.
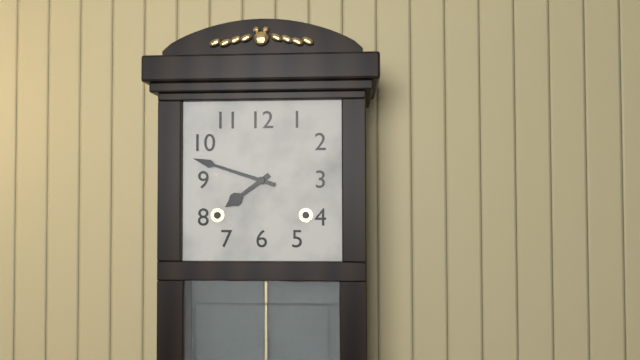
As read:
{"hour": 7, "minute": 48}
